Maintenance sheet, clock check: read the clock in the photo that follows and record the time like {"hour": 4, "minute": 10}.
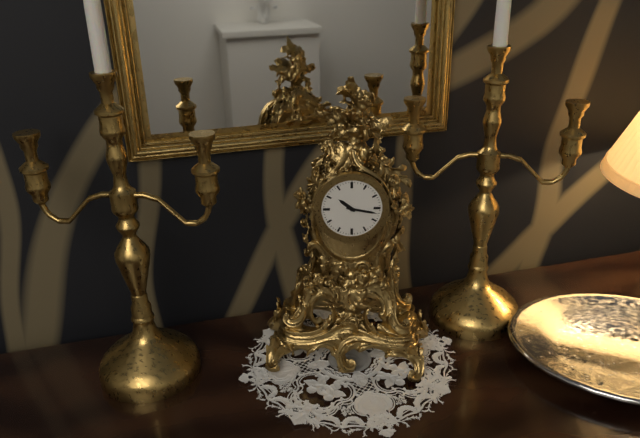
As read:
{"hour": 10, "minute": 17}
